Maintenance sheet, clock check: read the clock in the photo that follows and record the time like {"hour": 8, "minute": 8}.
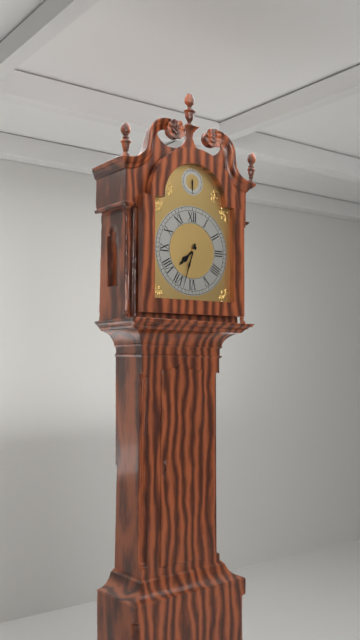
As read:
{"hour": 7, "minute": 33}
